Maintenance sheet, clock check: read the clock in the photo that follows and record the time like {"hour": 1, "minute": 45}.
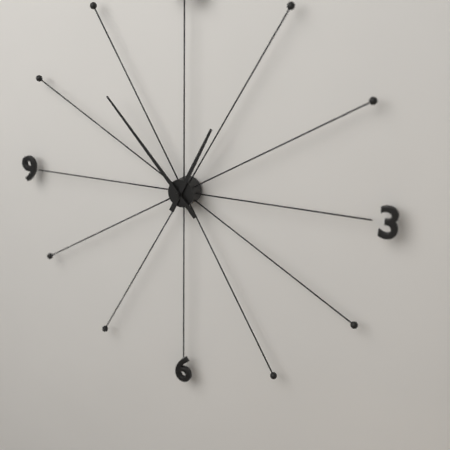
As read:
{"hour": 12, "minute": 53}
